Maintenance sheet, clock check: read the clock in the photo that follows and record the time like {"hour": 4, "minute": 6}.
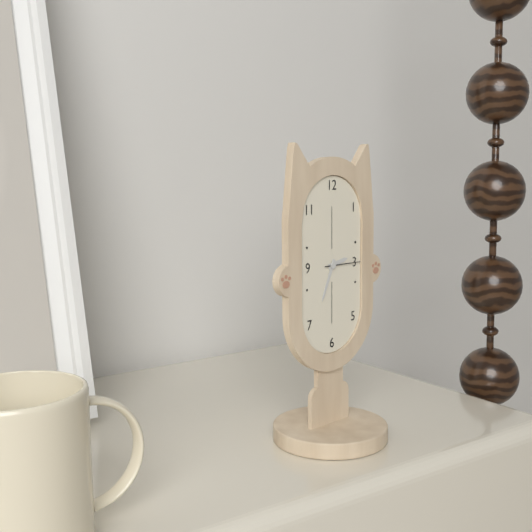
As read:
{"hour": 2, "minute": 34}
